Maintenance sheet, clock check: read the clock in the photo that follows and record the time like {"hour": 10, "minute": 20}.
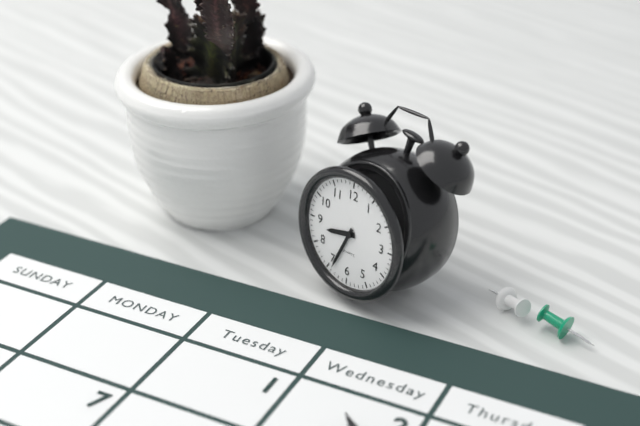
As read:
{"hour": 8, "minute": 34}
